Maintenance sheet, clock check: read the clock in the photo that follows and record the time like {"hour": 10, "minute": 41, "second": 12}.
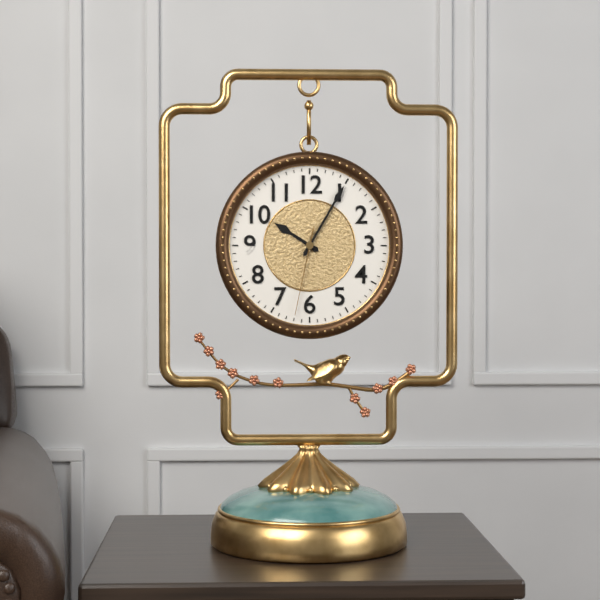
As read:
{"hour": 10, "minute": 5, "second": 32}
